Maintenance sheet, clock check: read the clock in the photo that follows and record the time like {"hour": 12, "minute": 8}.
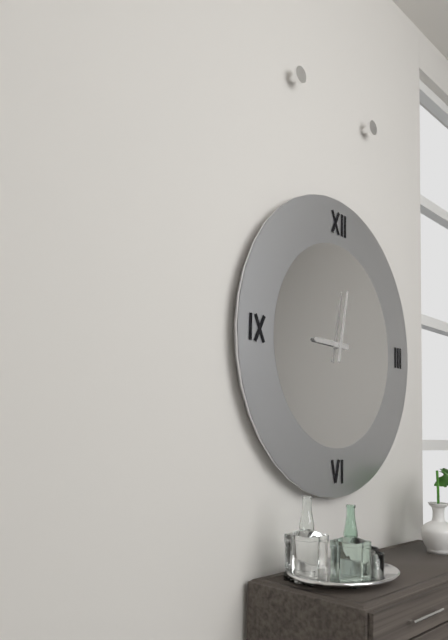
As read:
{"hour": 9, "minute": 2}
